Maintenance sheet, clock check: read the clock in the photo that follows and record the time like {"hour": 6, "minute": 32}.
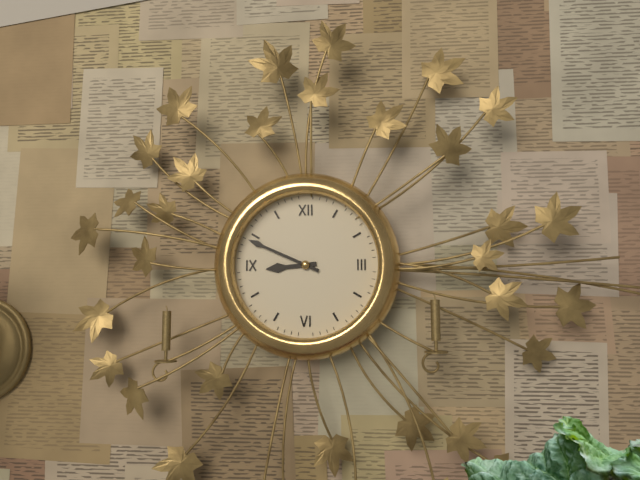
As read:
{"hour": 8, "minute": 49}
